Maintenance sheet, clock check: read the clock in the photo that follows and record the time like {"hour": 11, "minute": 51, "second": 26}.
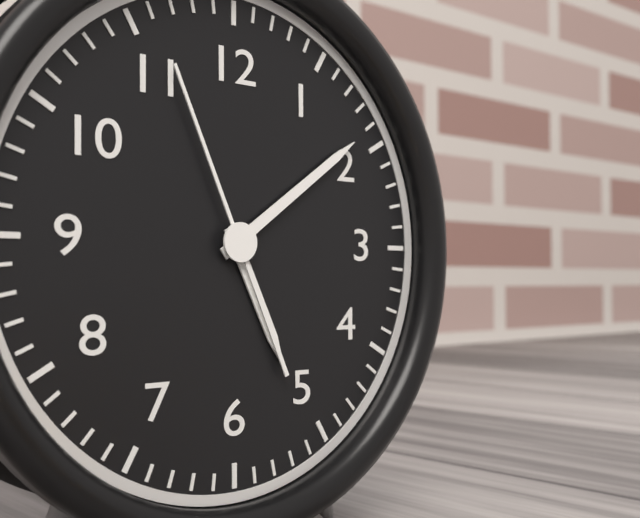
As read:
{"hour": 5, "minute": 9, "second": 56}
